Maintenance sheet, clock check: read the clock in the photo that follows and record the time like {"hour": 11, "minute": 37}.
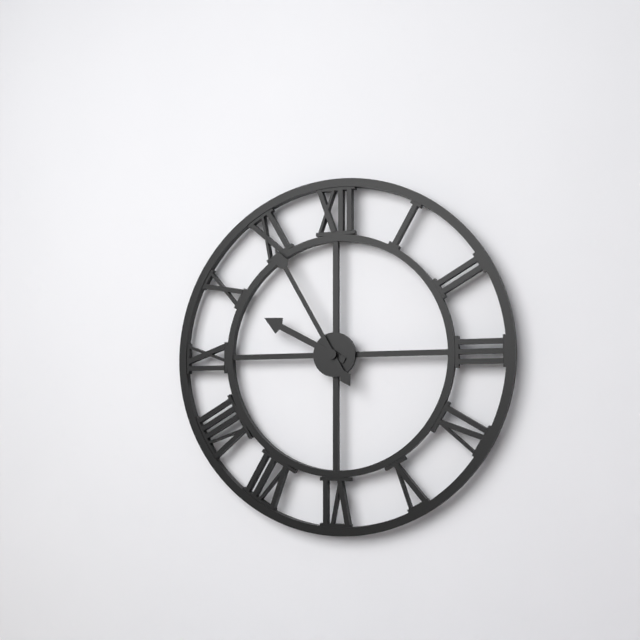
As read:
{"hour": 9, "minute": 55}
